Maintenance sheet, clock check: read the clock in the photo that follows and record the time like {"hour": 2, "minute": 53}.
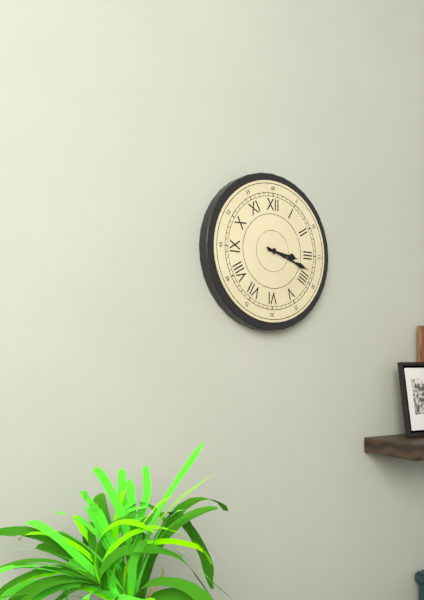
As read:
{"hour": 3, "minute": 18}
